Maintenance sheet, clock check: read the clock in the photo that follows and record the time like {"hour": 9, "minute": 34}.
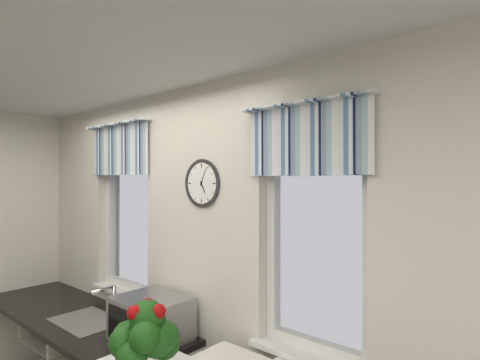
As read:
{"hour": 5, "minute": 4}
